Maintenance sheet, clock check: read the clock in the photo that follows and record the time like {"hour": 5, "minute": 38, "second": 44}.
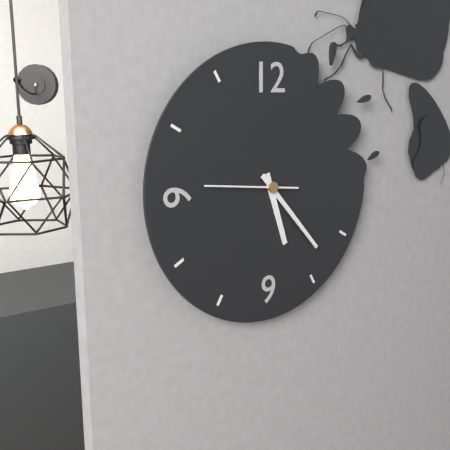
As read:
{"hour": 5, "minute": 23, "second": 46}
